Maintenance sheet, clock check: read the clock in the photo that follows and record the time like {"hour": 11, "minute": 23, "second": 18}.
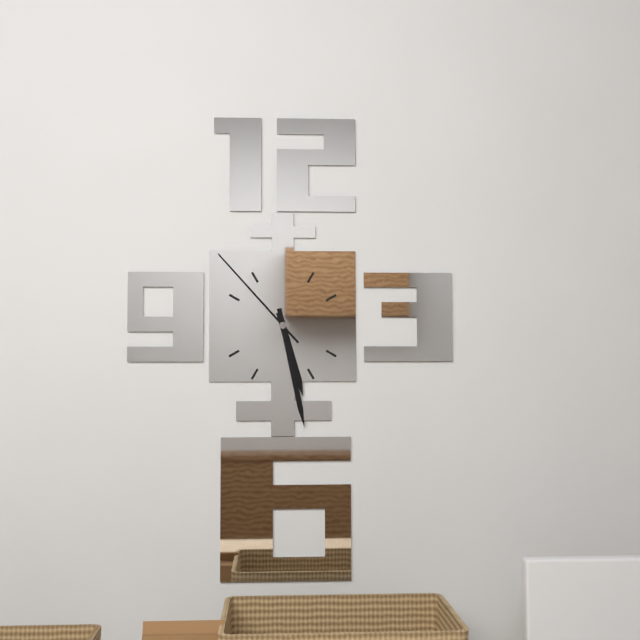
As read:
{"hour": 5, "minute": 28, "second": 53}
